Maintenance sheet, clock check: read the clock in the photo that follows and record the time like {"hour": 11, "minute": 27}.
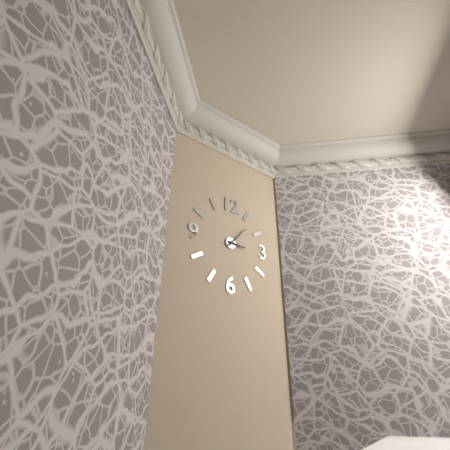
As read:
{"hour": 3, "minute": 7}
